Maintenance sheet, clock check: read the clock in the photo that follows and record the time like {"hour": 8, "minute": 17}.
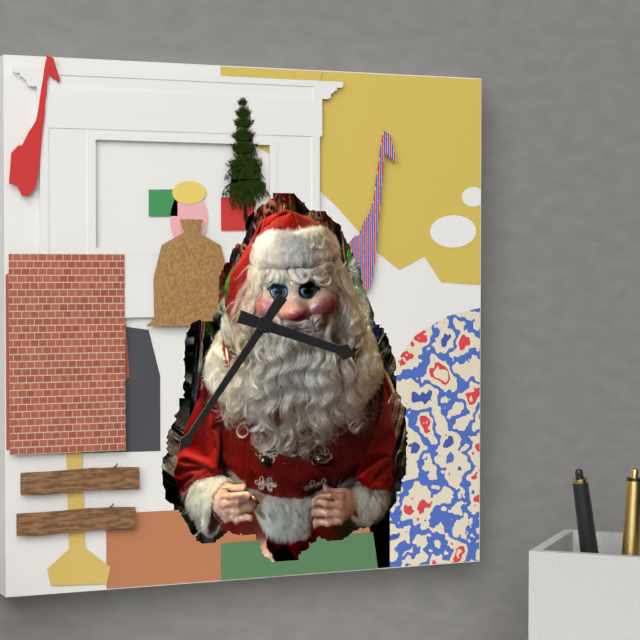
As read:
{"hour": 3, "minute": 36}
